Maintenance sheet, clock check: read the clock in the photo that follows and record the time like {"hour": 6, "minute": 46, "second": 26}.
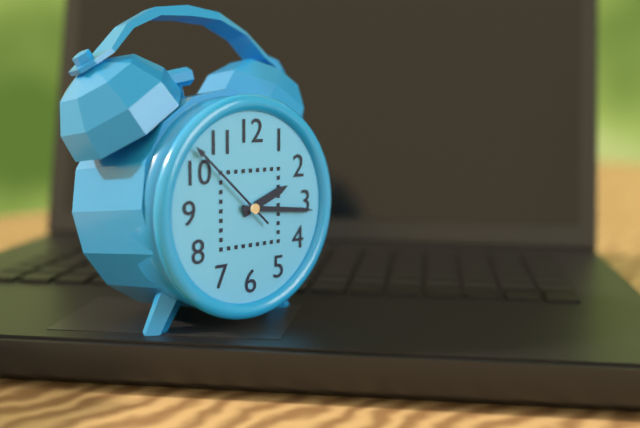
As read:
{"hour": 2, "minute": 16, "second": 52}
